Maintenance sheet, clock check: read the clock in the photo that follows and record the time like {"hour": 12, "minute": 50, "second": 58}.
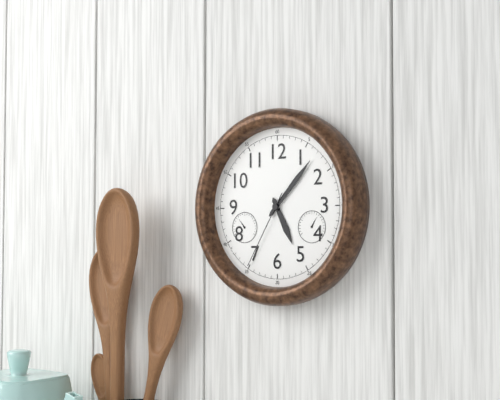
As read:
{"hour": 5, "minute": 7, "second": 35}
